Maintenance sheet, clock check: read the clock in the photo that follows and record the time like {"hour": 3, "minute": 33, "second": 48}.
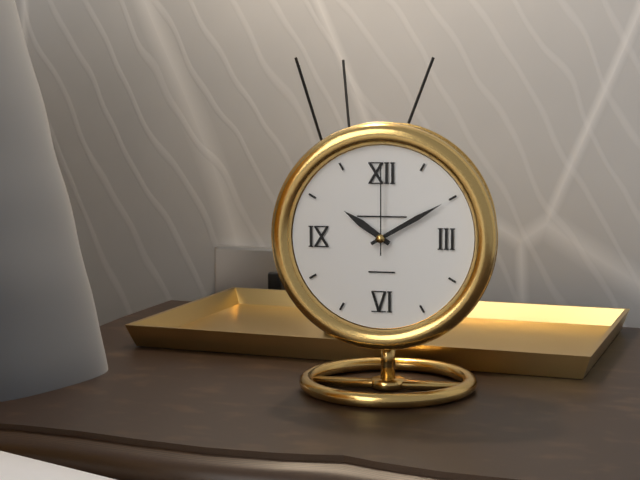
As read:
{"hour": 10, "minute": 10, "second": 0}
